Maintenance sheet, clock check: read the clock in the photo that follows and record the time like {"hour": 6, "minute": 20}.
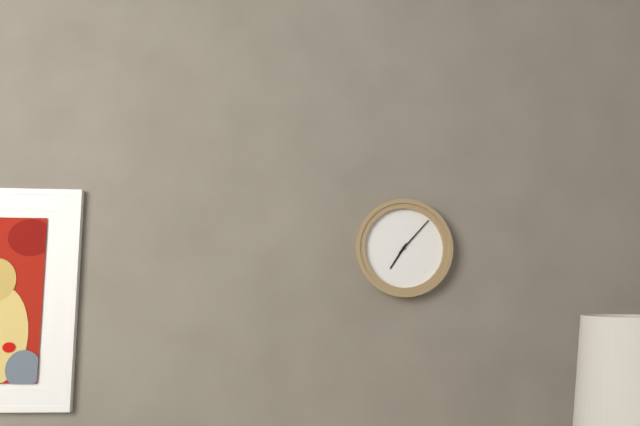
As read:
{"hour": 7, "minute": 7}
